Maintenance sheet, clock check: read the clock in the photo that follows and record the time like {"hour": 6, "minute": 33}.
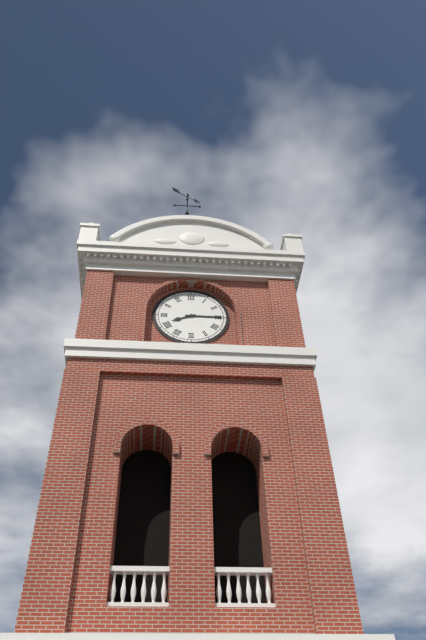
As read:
{"hour": 8, "minute": 15}
